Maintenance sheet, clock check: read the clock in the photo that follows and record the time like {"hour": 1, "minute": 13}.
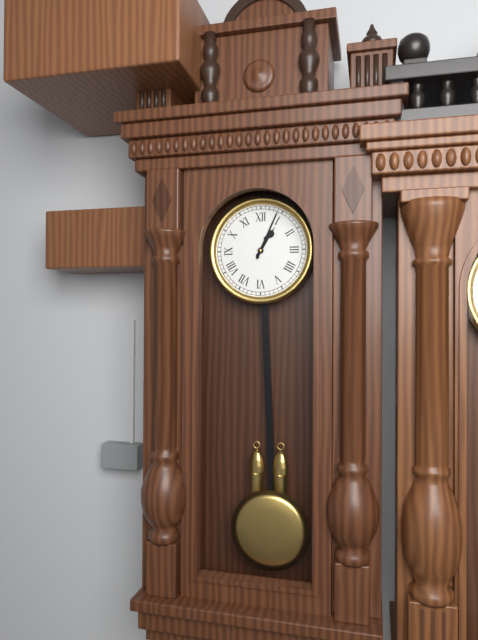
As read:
{"hour": 1, "minute": 4}
